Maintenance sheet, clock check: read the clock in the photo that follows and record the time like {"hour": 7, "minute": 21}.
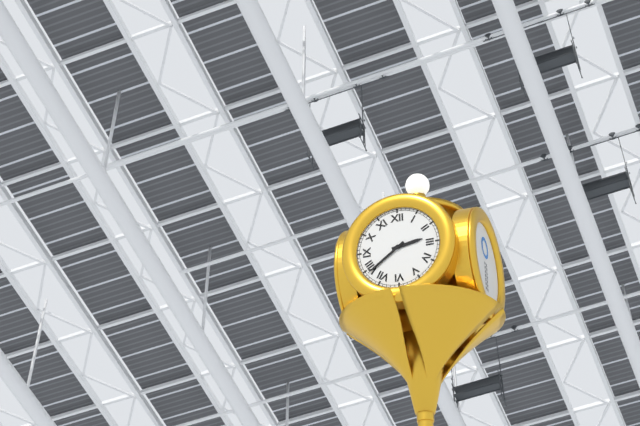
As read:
{"hour": 2, "minute": 39}
